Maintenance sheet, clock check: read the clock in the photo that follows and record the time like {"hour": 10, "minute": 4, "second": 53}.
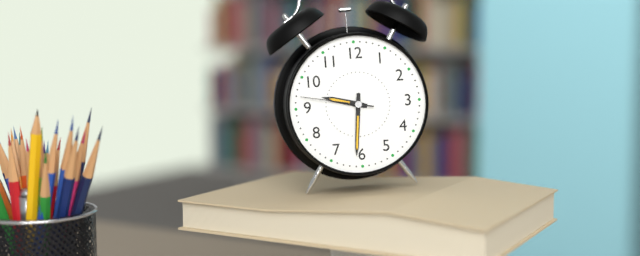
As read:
{"hour": 9, "minute": 31, "second": 47}
